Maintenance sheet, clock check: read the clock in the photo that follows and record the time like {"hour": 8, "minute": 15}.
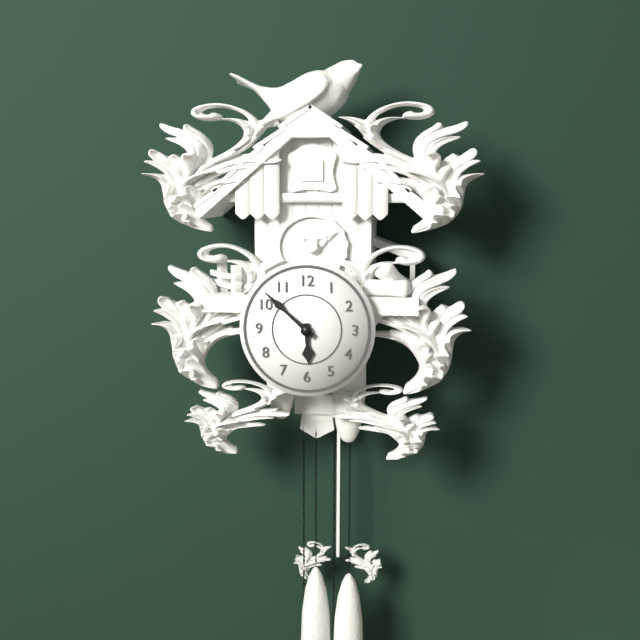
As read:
{"hour": 5, "minute": 52}
